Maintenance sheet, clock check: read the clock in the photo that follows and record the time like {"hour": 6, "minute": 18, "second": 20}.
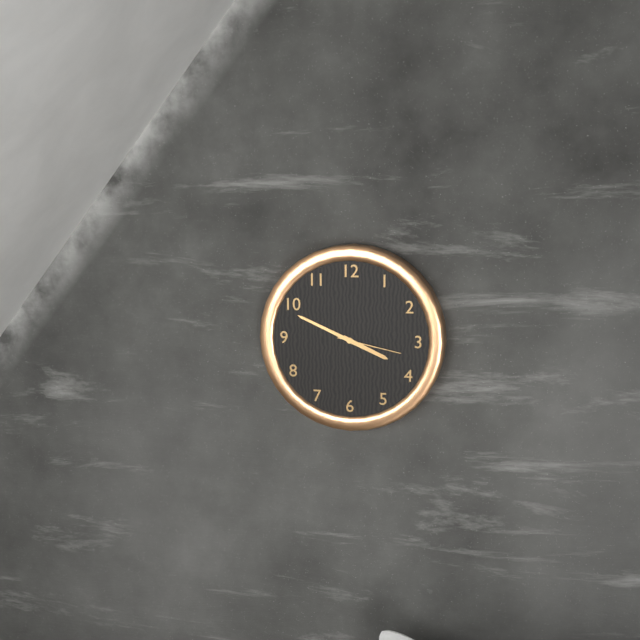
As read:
{"hour": 3, "minute": 49, "second": 17}
